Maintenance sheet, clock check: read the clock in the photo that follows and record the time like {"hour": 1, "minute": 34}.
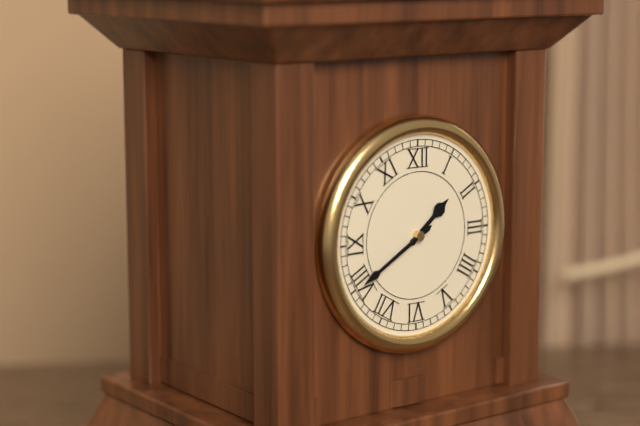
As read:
{"hour": 1, "minute": 40}
